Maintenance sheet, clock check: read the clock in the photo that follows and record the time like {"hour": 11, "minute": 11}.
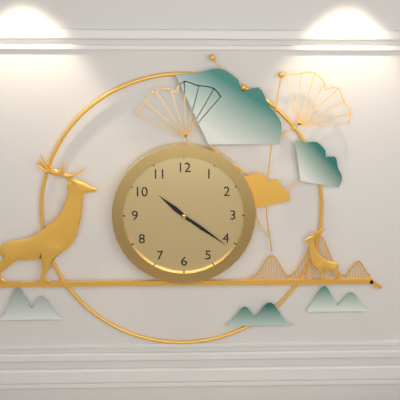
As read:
{"hour": 10, "minute": 21}
